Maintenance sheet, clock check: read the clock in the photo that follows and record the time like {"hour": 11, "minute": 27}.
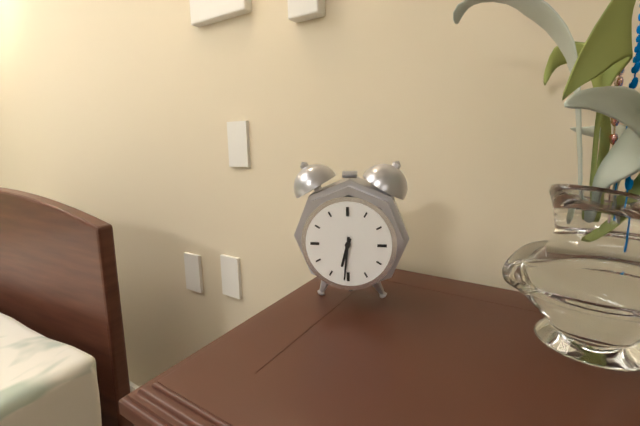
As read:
{"hour": 6, "minute": 31}
